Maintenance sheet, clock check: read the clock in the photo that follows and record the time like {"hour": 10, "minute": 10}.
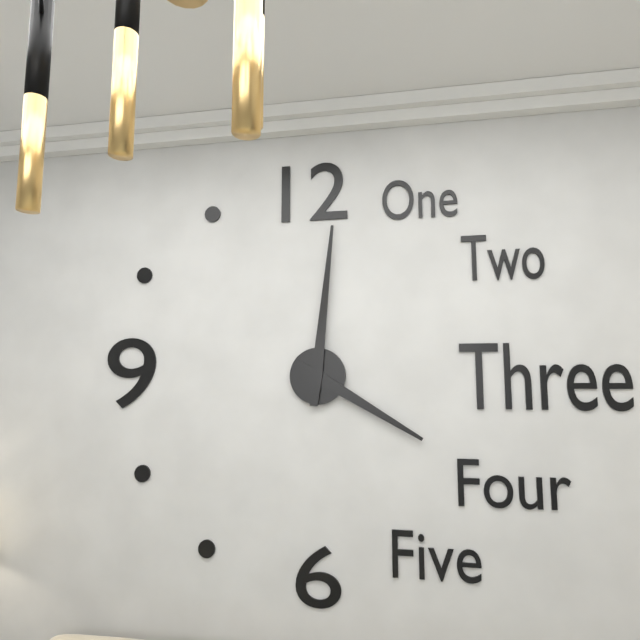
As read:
{"hour": 4, "minute": 1}
